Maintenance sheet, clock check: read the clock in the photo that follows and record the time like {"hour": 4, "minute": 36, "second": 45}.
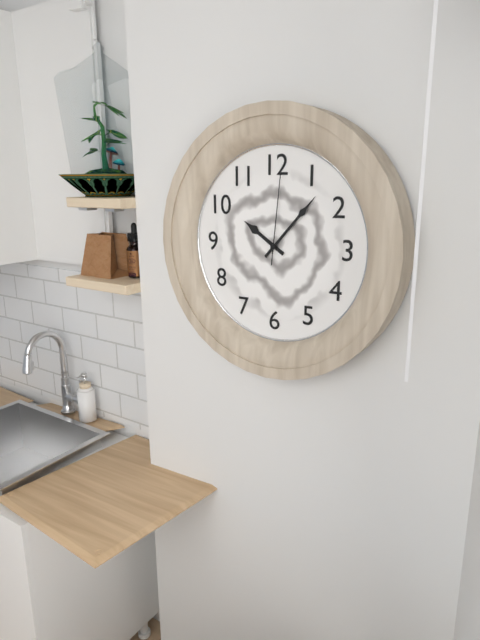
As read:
{"hour": 10, "minute": 7, "second": 1}
